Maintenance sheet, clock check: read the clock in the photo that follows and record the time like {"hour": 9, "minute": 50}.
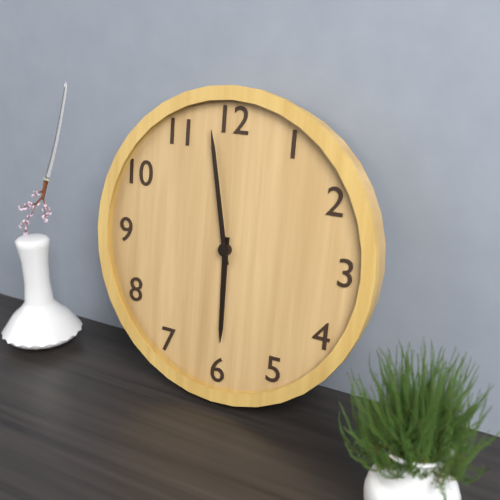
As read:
{"hour": 5, "minute": 58}
